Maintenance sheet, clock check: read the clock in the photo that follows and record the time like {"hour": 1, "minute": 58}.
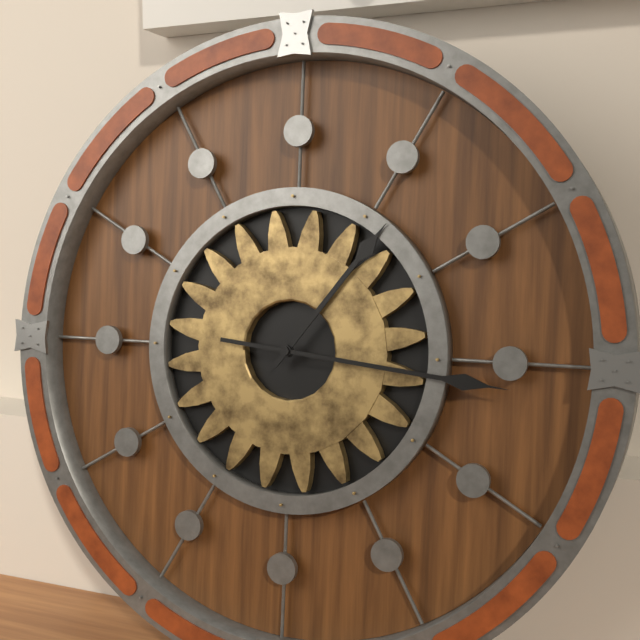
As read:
{"hour": 1, "minute": 16}
